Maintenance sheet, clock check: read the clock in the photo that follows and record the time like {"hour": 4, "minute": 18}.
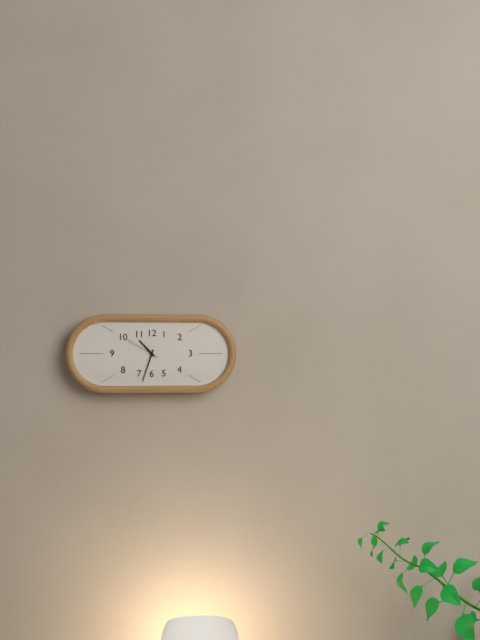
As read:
{"hour": 10, "minute": 33}
